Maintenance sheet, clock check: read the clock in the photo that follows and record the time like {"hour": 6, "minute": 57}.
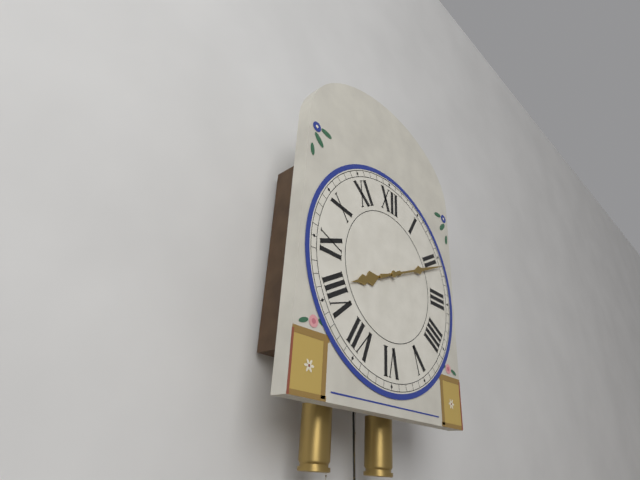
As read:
{"hour": 8, "minute": 11}
